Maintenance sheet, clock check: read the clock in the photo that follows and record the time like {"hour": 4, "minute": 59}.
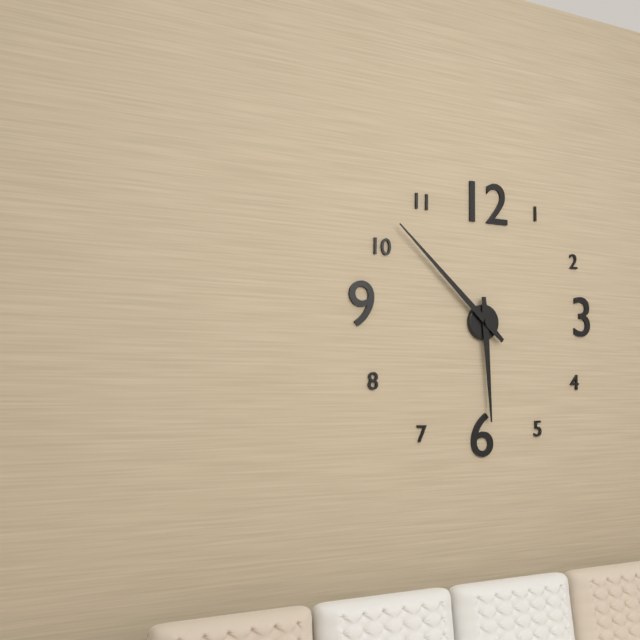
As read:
{"hour": 5, "minute": 52}
